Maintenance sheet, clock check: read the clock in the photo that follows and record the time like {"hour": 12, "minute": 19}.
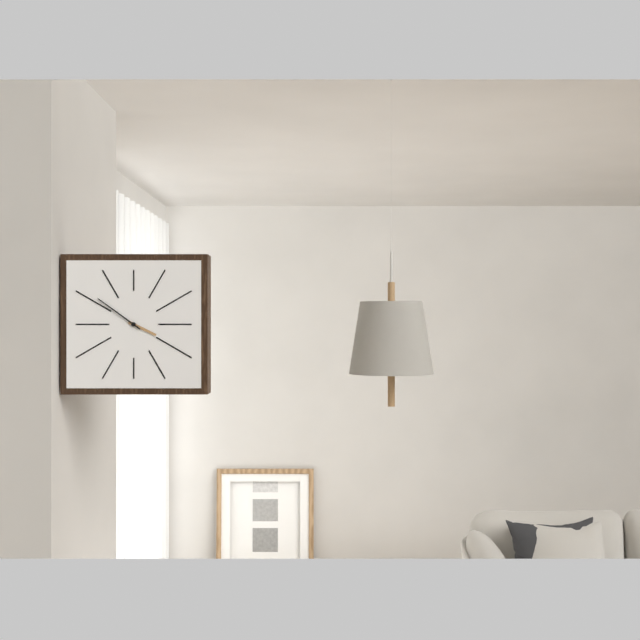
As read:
{"hour": 3, "minute": 51}
